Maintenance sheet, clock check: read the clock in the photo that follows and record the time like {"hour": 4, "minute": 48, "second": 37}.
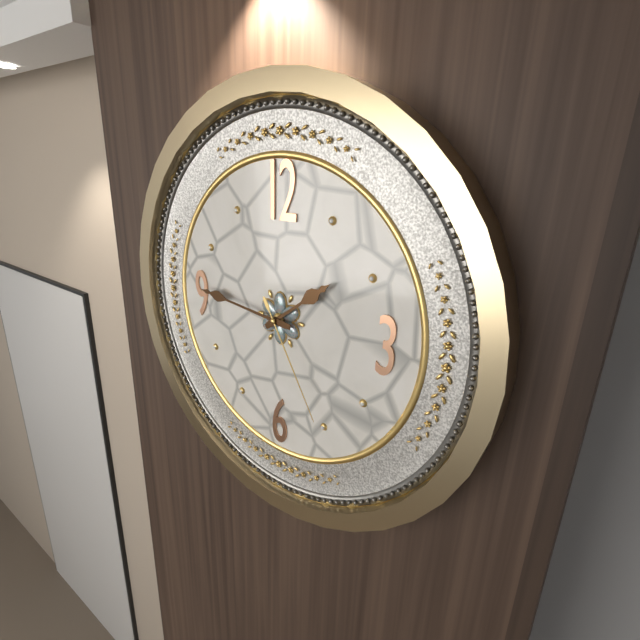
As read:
{"hour": 1, "minute": 46, "second": 25}
